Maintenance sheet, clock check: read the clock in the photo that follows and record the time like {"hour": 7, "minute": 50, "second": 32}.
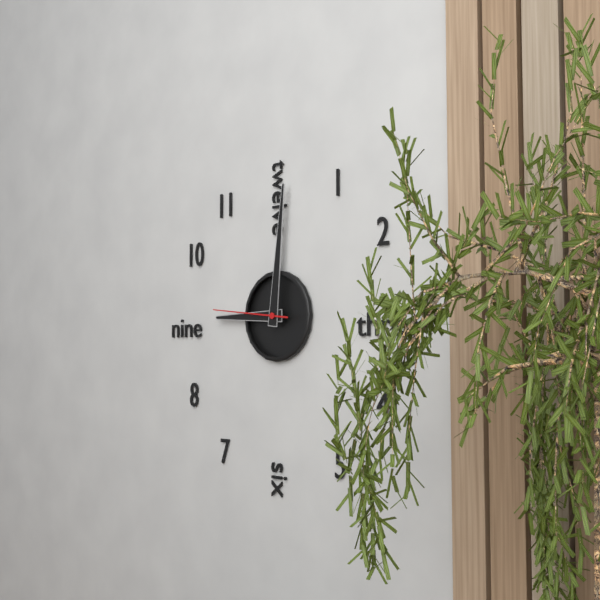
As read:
{"hour": 9, "minute": 1, "second": 46}
